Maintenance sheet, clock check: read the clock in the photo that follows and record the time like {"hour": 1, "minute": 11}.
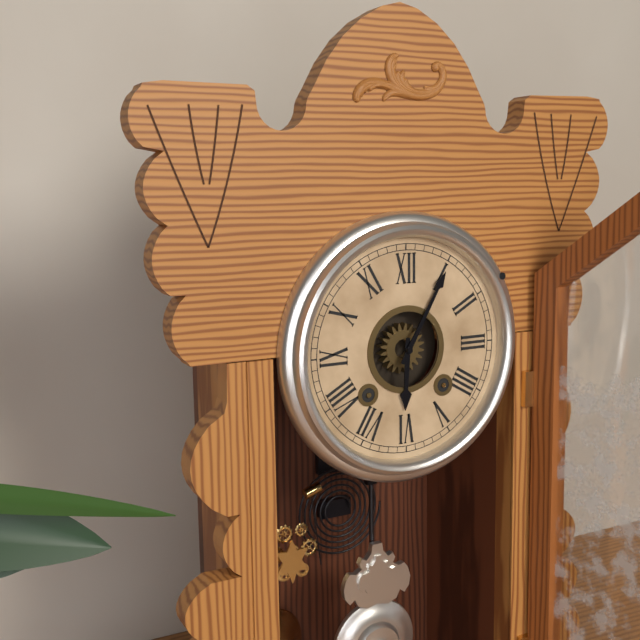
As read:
{"hour": 6, "minute": 5}
